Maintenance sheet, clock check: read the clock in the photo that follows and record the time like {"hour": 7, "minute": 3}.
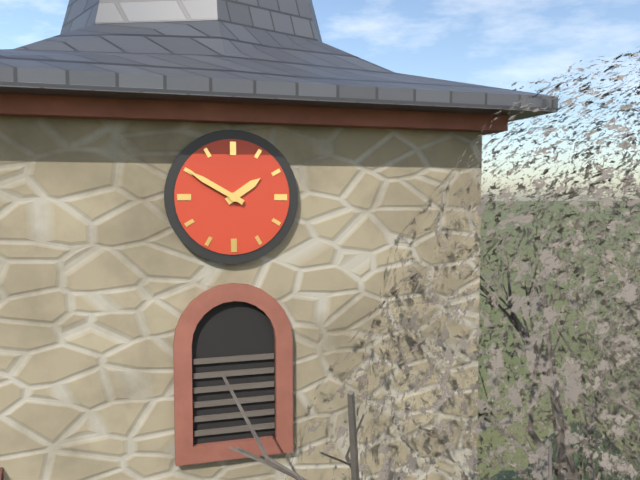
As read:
{"hour": 1, "minute": 50}
